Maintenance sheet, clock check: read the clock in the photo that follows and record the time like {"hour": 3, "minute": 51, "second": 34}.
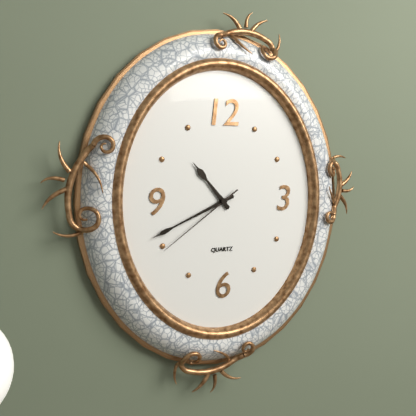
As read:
{"hour": 10, "minute": 41, "second": 39}
